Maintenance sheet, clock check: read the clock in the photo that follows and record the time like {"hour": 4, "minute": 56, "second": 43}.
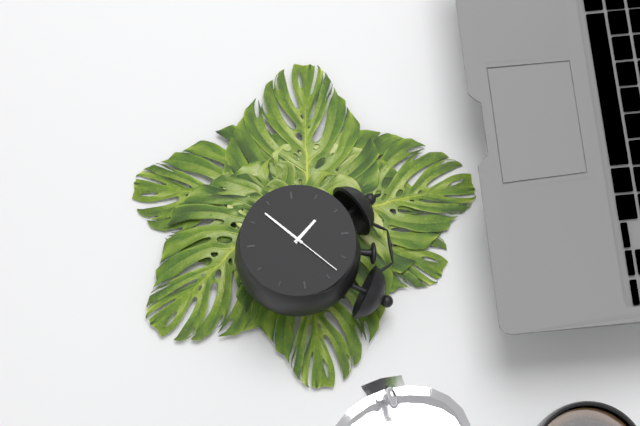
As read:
{"hour": 10, "minute": 38, "second": 8}
